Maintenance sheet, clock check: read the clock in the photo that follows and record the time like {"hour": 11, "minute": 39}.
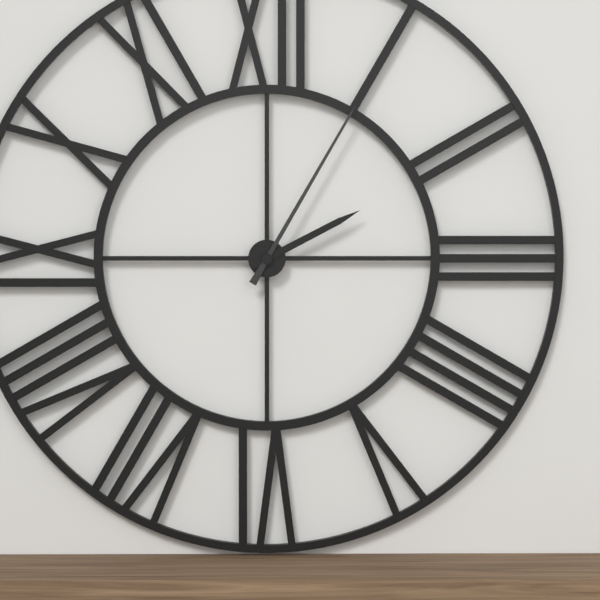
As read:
{"hour": 2, "minute": 5}
